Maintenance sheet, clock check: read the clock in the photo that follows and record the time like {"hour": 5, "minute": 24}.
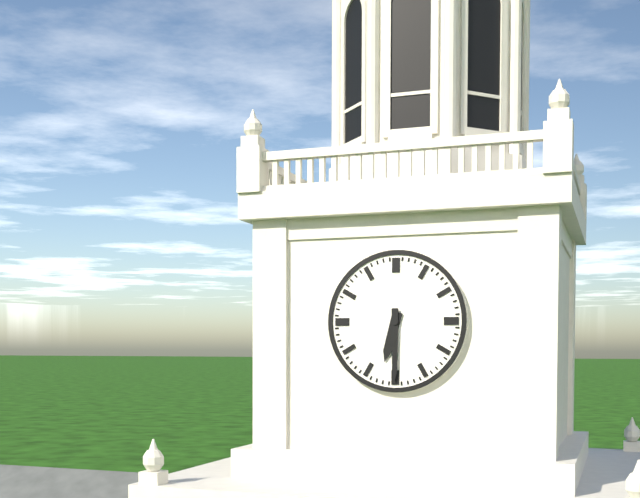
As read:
{"hour": 6, "minute": 30}
